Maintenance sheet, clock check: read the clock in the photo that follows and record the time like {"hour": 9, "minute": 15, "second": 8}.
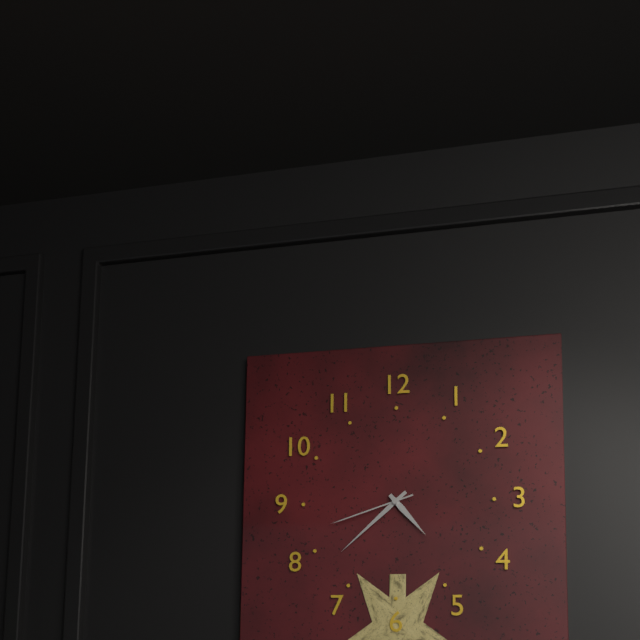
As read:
{"hour": 4, "minute": 38, "second": 42}
